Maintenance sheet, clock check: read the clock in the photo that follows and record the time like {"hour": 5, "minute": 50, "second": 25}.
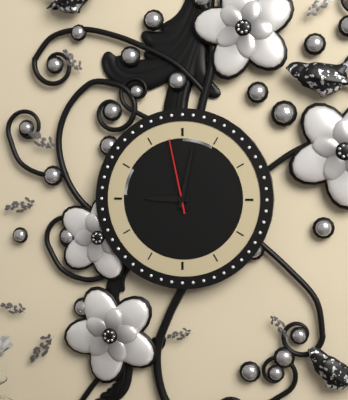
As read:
{"hour": 9, "minute": 2, "second": 58}
